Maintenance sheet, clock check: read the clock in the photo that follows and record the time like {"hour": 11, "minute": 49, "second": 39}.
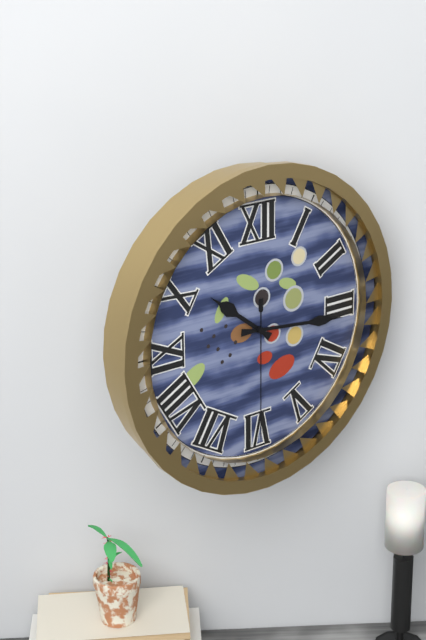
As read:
{"hour": 10, "minute": 16, "second": 30}
